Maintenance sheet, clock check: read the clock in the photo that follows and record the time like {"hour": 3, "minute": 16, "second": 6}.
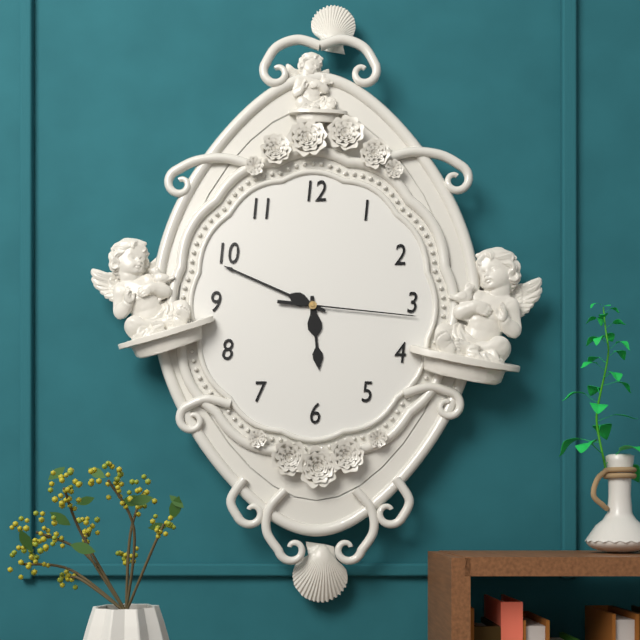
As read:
{"hour": 5, "minute": 49, "second": 16}
